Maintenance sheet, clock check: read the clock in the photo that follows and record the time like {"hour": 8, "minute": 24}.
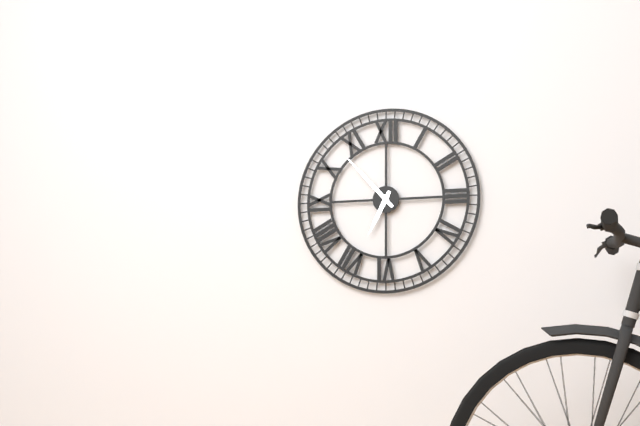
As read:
{"hour": 6, "minute": 53}
